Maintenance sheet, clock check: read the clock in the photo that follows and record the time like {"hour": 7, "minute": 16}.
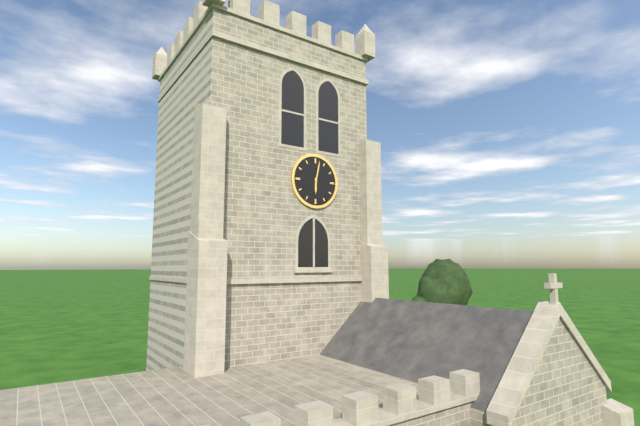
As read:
{"hour": 6, "minute": 2}
